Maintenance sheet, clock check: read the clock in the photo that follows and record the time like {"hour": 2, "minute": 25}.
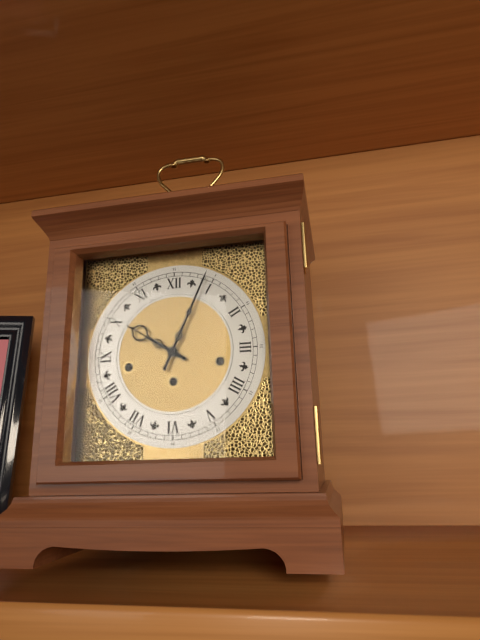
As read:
{"hour": 10, "minute": 4}
